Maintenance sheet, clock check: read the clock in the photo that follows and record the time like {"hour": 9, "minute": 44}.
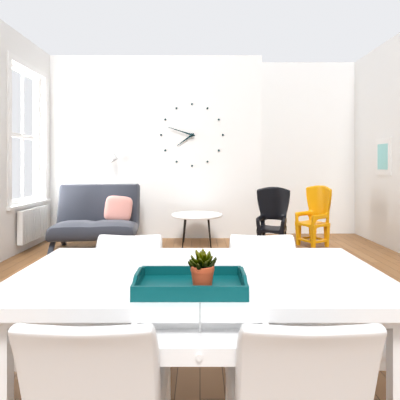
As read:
{"hour": 7, "minute": 48}
